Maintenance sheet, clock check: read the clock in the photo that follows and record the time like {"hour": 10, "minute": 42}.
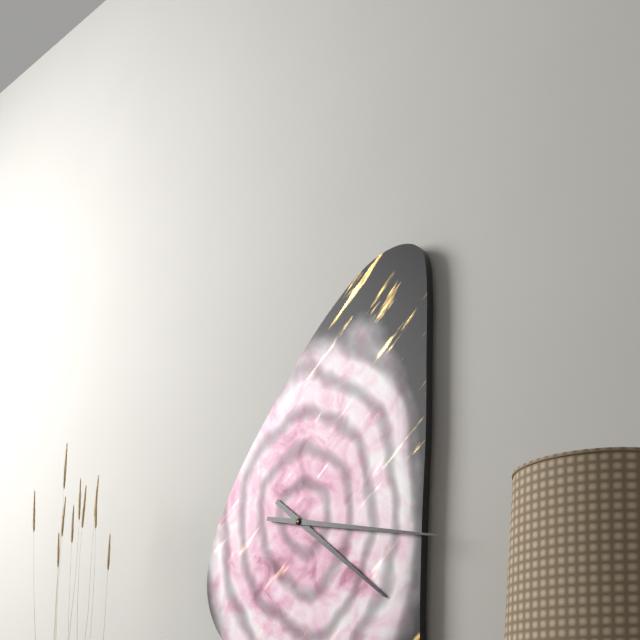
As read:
{"hour": 4, "minute": 17}
